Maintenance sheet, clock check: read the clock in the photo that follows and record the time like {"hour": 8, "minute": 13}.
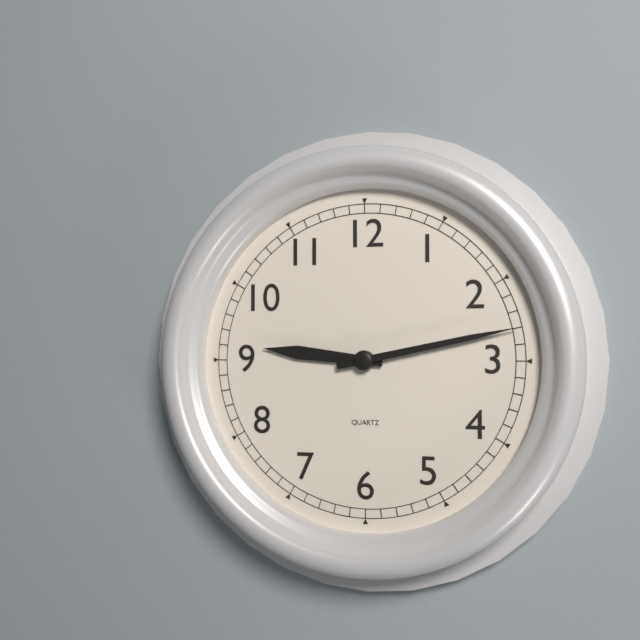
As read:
{"hour": 9, "minute": 13}
